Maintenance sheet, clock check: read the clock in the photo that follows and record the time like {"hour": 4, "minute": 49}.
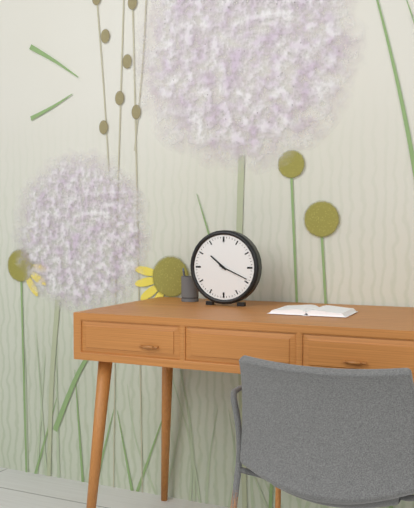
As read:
{"hour": 10, "minute": 19}
